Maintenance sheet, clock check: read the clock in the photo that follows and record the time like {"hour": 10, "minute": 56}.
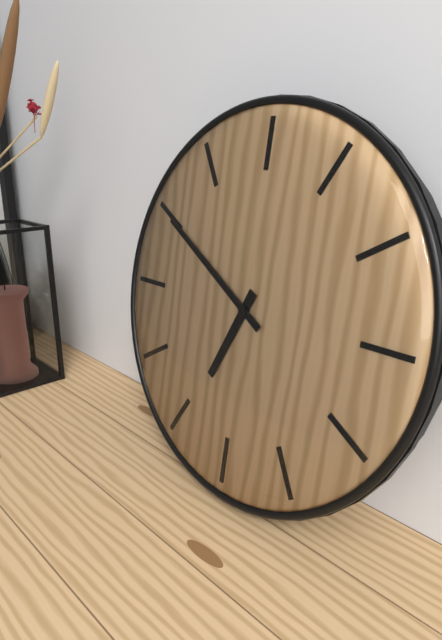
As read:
{"hour": 6, "minute": 50}
